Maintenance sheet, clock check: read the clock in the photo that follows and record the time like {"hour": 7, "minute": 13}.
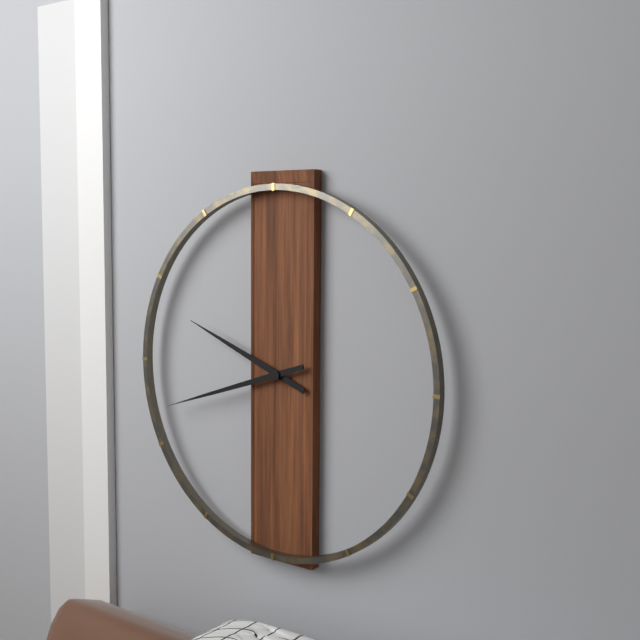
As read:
{"hour": 9, "minute": 42}
